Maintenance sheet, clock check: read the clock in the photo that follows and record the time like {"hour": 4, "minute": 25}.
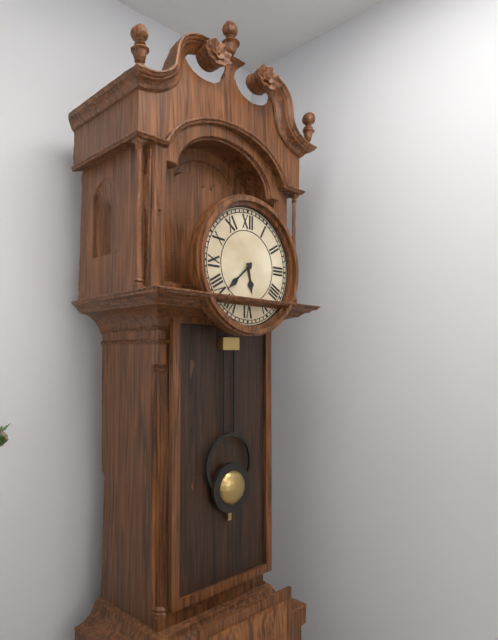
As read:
{"hour": 5, "minute": 38}
